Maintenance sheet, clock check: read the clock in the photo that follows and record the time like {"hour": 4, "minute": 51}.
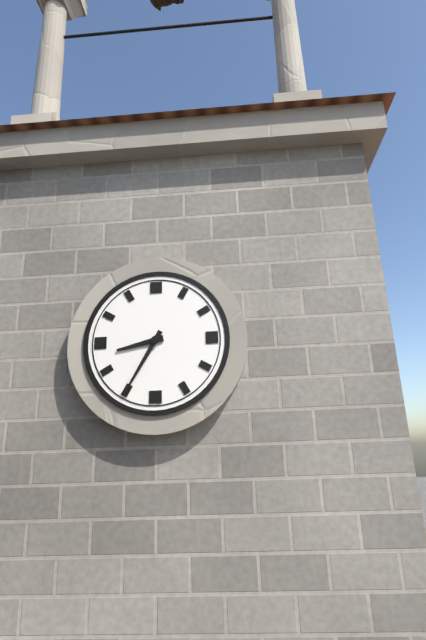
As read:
{"hour": 8, "minute": 35}
